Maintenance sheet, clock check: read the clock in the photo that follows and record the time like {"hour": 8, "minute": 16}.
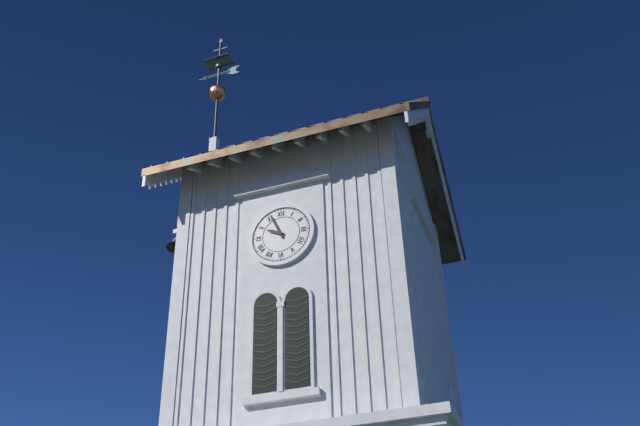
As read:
{"hour": 9, "minute": 56}
